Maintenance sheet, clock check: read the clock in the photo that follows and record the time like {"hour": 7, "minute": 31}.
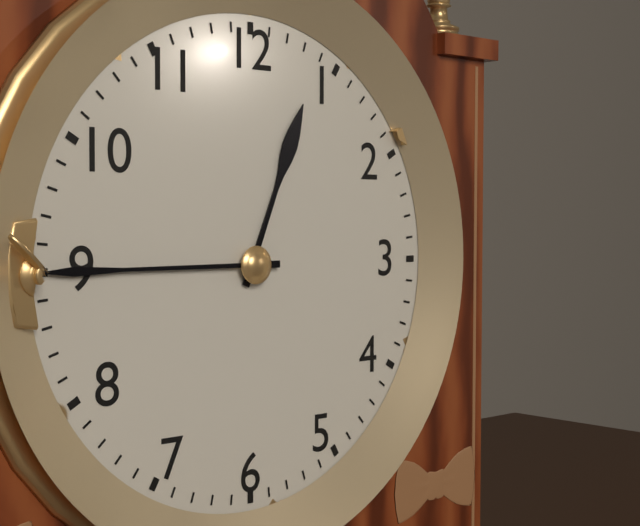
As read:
{"hour": 12, "minute": 45}
